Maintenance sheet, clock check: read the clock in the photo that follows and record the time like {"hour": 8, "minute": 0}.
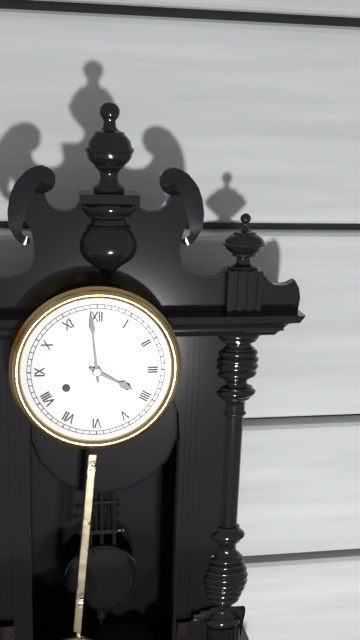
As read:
{"hour": 3, "minute": 59}
